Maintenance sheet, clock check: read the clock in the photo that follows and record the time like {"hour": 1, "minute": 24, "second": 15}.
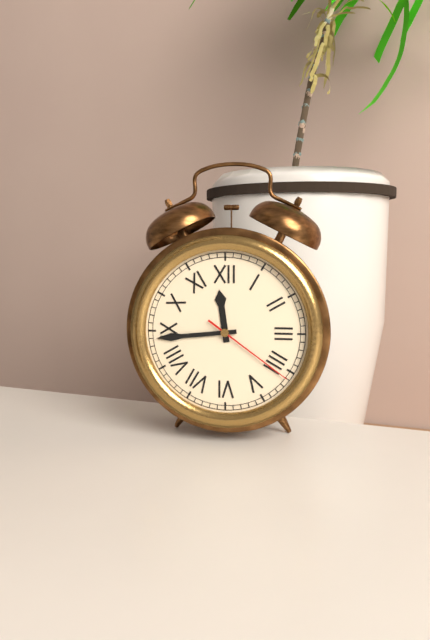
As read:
{"hour": 11, "minute": 44, "second": 21}
